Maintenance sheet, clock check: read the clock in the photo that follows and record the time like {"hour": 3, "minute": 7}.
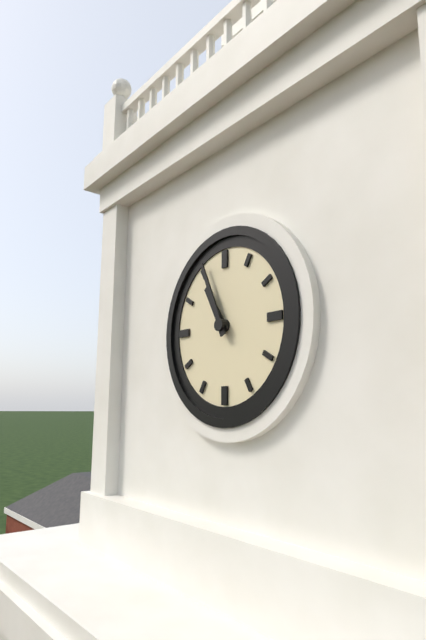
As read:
{"hour": 10, "minute": 56}
